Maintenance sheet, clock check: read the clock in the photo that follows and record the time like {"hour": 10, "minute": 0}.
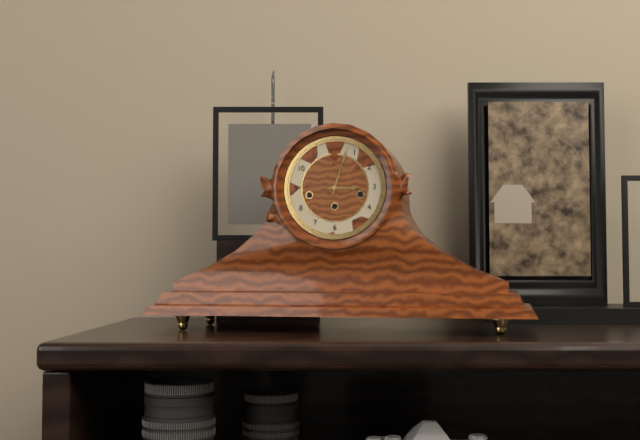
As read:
{"hour": 3, "minute": 3}
